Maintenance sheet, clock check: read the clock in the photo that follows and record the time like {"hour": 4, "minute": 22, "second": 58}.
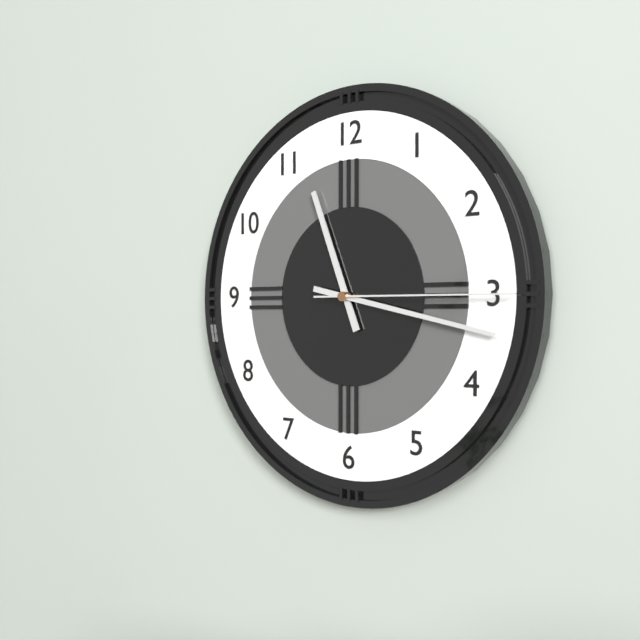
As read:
{"hour": 11, "minute": 17, "second": 15}
